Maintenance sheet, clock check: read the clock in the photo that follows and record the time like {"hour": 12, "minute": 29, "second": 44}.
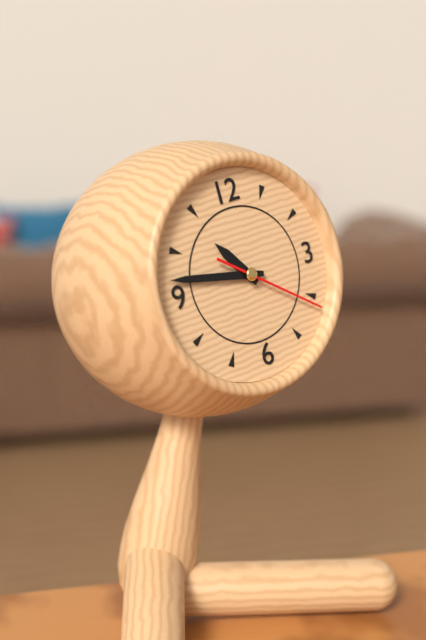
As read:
{"hour": 10, "minute": 47, "second": 21}
